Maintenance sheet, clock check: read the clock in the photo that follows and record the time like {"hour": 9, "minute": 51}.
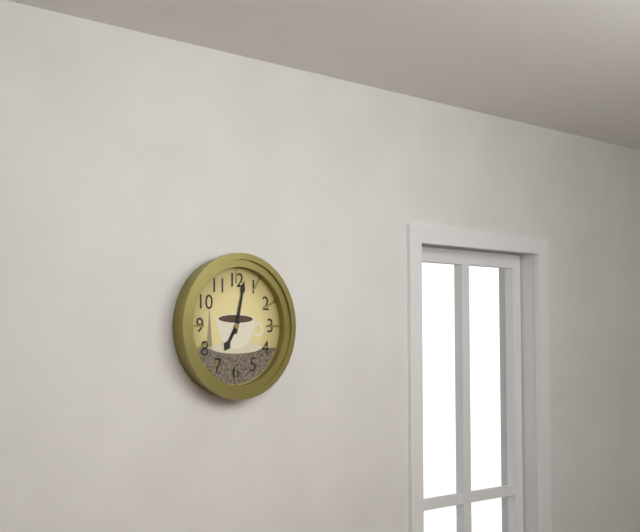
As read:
{"hour": 7, "minute": 2}
